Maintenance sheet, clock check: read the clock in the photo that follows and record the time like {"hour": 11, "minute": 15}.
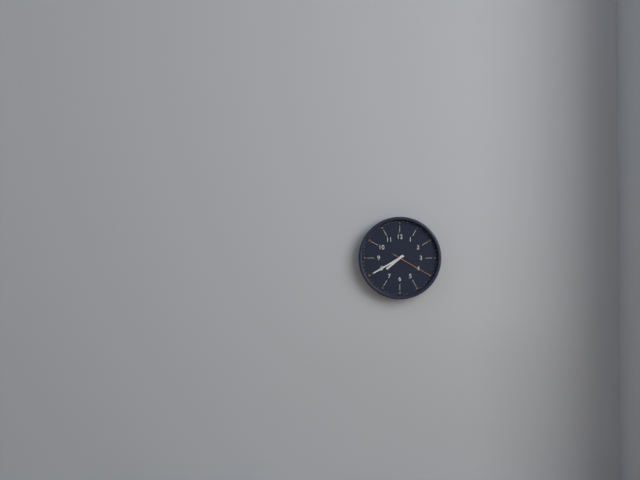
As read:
{"hour": 7, "minute": 40}
